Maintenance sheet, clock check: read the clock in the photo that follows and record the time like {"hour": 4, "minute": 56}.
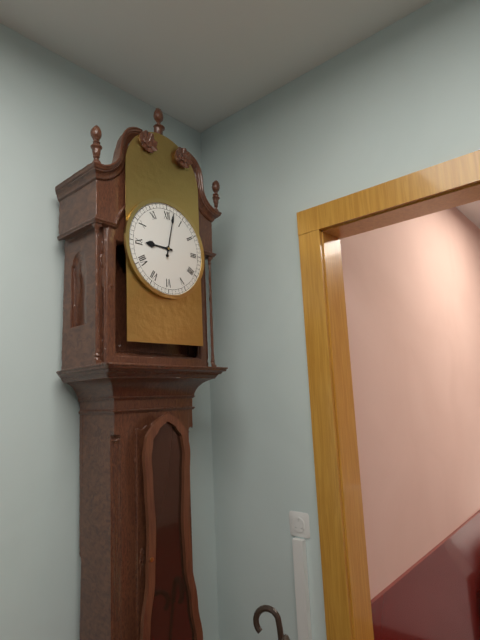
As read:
{"hour": 9, "minute": 2}
